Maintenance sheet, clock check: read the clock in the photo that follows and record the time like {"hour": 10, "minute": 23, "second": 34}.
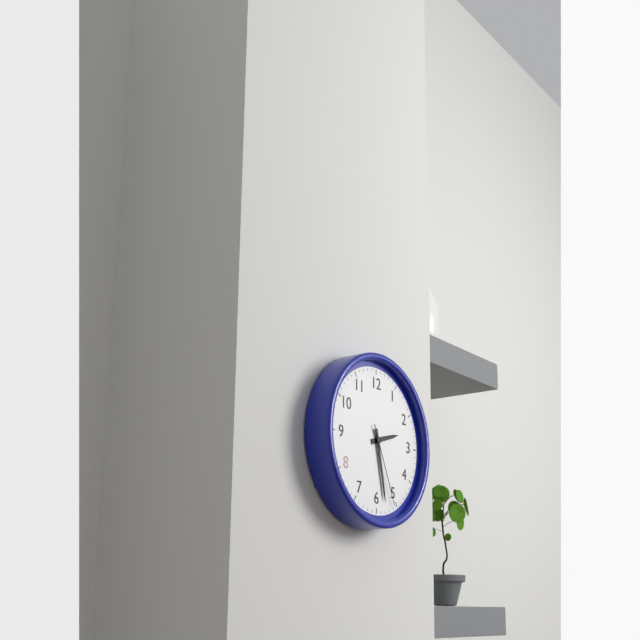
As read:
{"hour": 2, "minute": 28, "second": 26}
